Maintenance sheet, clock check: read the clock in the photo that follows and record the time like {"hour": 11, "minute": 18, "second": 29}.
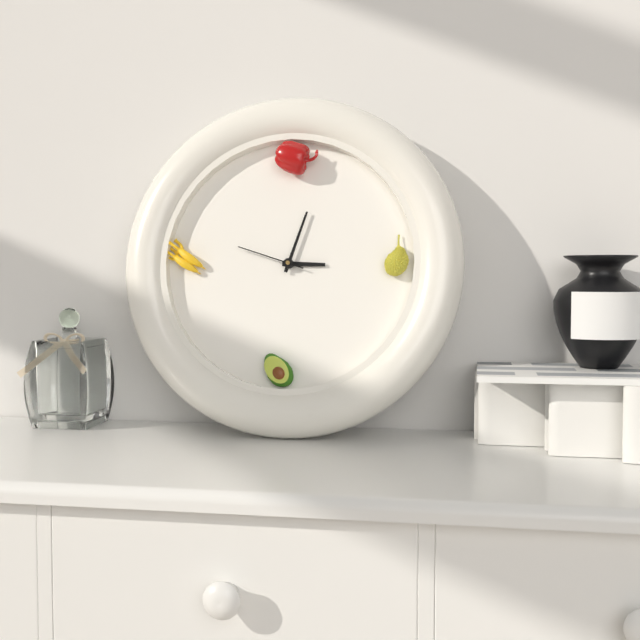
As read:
{"hour": 3, "minute": 3, "second": 48}
